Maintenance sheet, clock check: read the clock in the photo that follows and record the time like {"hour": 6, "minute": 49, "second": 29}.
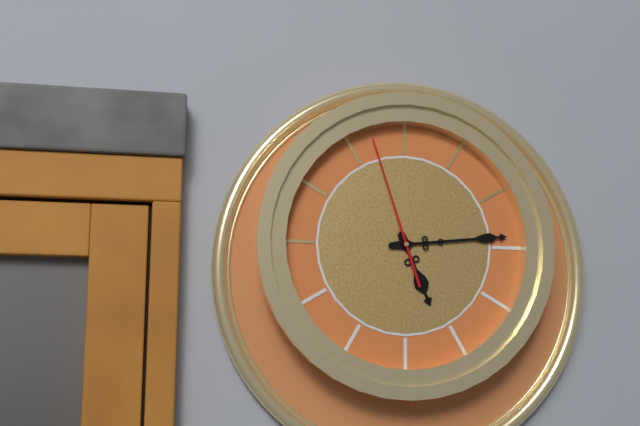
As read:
{"hour": 5, "minute": 14, "second": 57}
